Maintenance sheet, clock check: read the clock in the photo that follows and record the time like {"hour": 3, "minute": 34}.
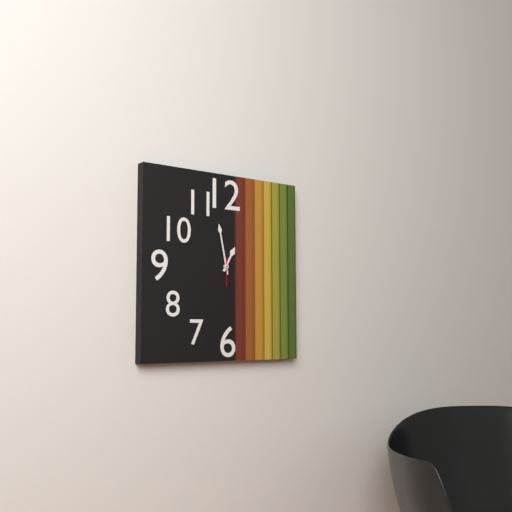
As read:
{"hour": 12, "minute": 58}
